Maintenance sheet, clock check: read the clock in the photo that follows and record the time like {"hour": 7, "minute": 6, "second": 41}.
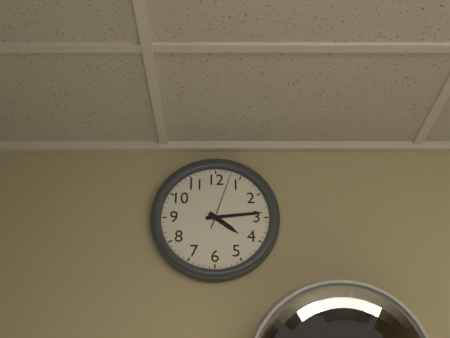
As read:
{"hour": 4, "minute": 14, "second": 3}
